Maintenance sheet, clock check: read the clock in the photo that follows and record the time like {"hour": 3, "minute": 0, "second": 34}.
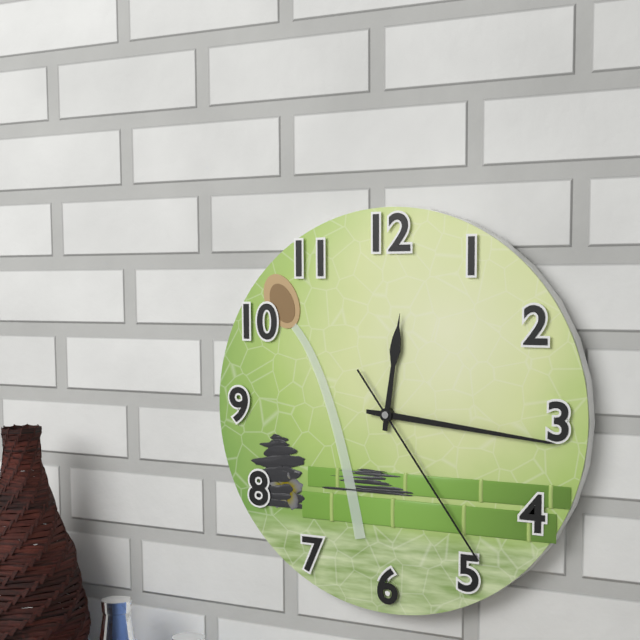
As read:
{"hour": 12, "minute": 16, "second": 24}
